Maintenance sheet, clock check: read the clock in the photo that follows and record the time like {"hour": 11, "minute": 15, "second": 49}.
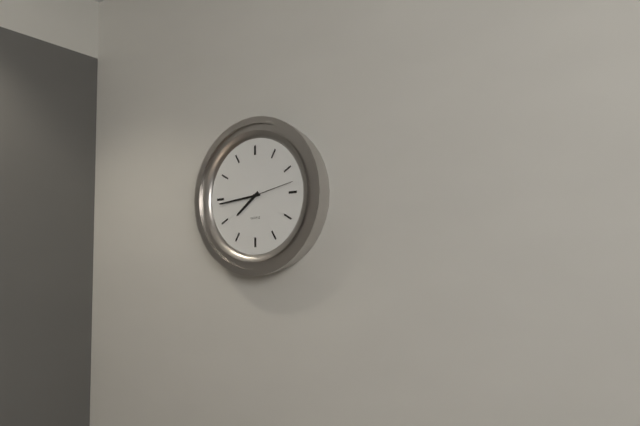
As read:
{"hour": 7, "minute": 44, "second": 13}
